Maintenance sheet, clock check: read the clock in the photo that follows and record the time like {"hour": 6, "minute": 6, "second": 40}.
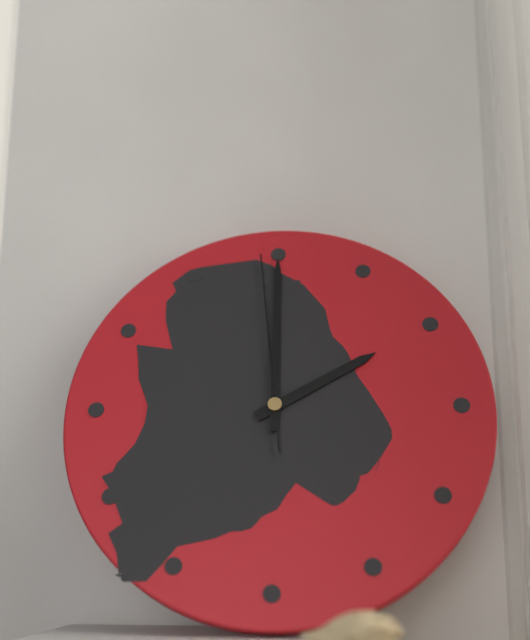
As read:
{"hour": 2, "minute": 0, "second": 59}
